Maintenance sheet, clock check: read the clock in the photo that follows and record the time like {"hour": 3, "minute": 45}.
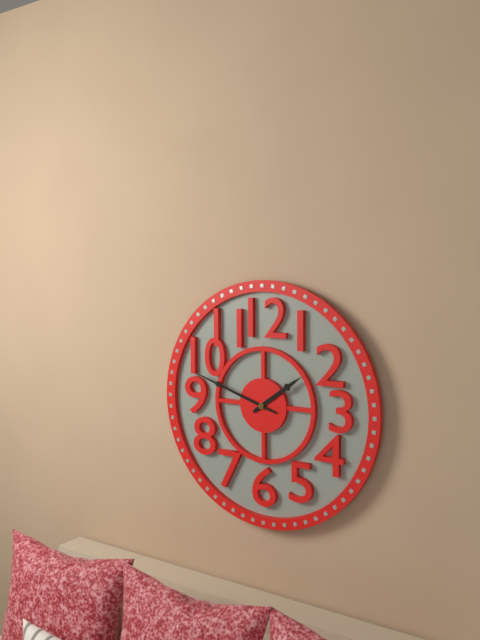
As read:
{"hour": 1, "minute": 48}
